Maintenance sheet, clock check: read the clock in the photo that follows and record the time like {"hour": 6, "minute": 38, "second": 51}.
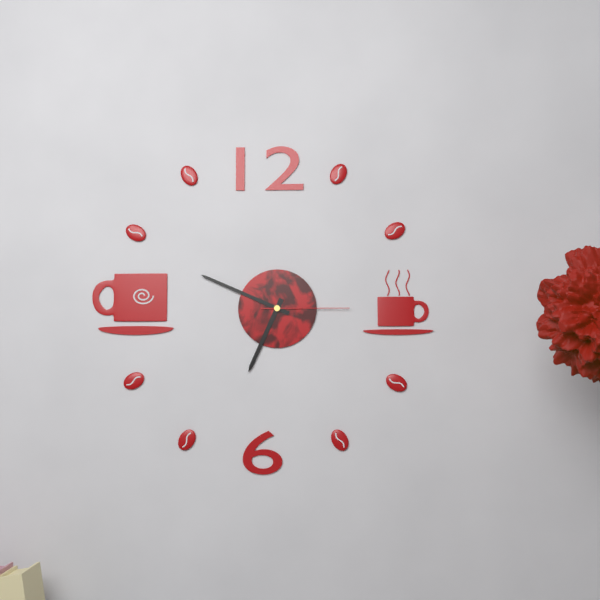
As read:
{"hour": 6, "minute": 49, "second": 15}
